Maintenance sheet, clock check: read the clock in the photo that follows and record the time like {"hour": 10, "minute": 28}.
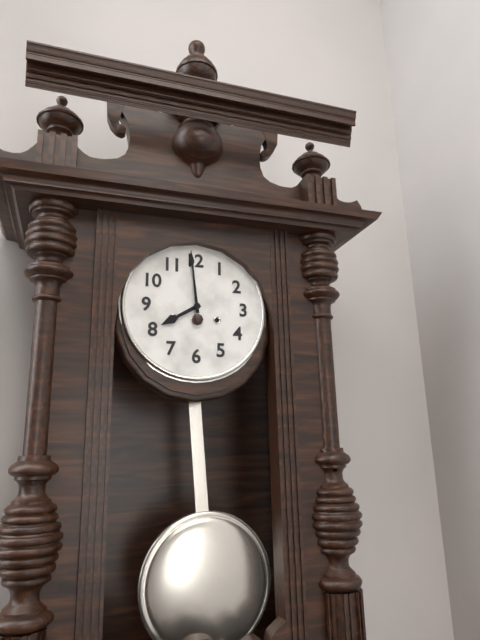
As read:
{"hour": 7, "minute": 59}
